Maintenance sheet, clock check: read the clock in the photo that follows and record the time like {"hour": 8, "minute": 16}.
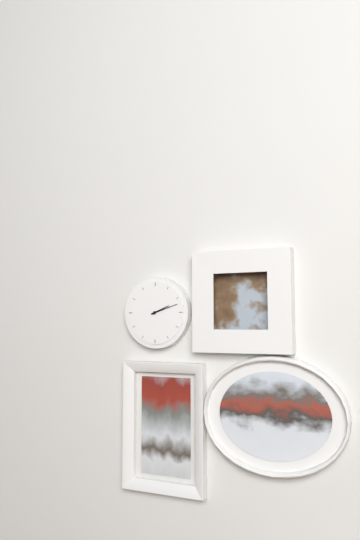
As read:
{"hour": 2, "minute": 12}
